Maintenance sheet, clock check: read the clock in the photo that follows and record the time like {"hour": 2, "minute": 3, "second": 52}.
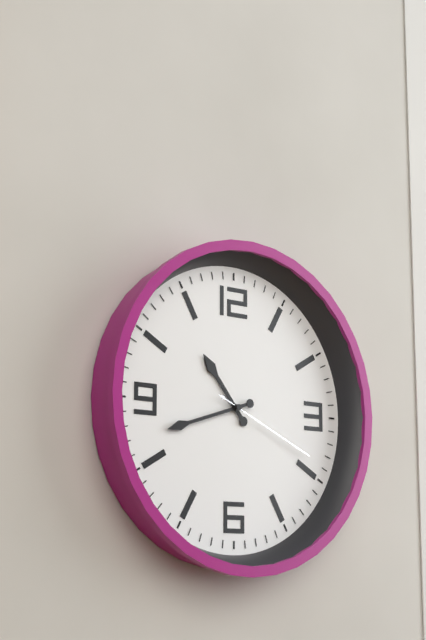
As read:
{"hour": 10, "minute": 42, "second": 19}
